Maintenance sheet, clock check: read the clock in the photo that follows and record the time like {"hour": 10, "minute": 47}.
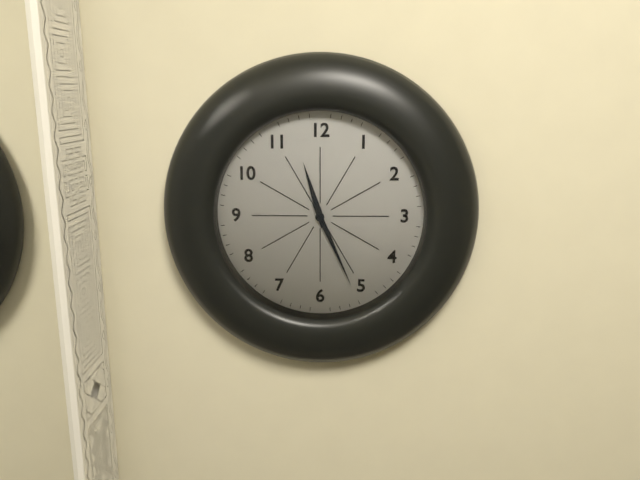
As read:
{"hour": 11, "minute": 26}
